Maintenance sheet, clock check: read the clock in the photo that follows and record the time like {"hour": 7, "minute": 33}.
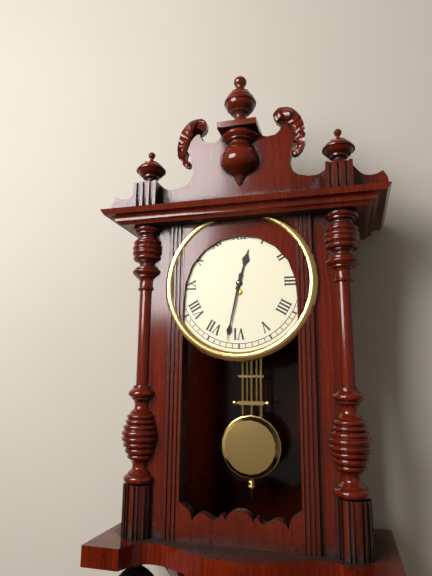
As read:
{"hour": 12, "minute": 32}
